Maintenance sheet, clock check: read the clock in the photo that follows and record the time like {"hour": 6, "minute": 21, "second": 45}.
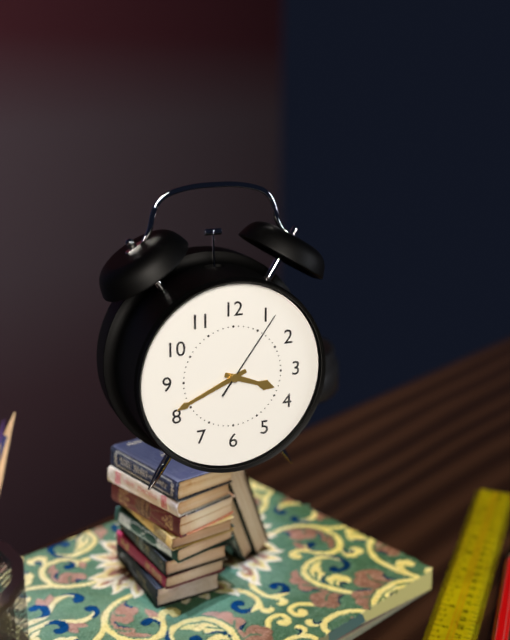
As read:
{"hour": 3, "minute": 41, "second": 6}
